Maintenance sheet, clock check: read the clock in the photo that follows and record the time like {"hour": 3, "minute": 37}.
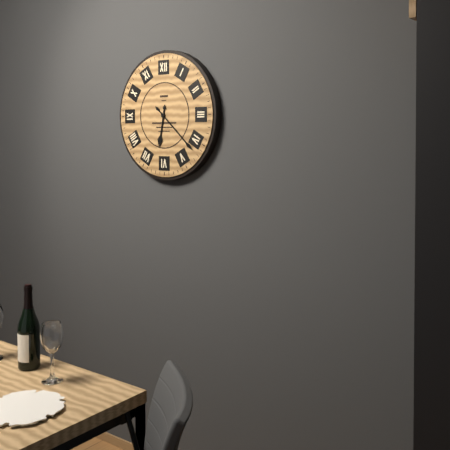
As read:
{"hour": 6, "minute": 22}
